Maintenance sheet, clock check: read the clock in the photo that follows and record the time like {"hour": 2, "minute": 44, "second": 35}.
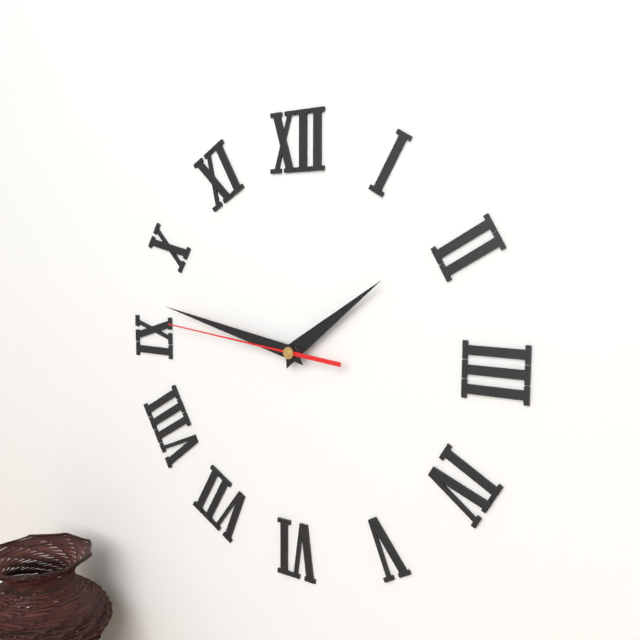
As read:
{"hour": 1, "minute": 47, "second": 46}
